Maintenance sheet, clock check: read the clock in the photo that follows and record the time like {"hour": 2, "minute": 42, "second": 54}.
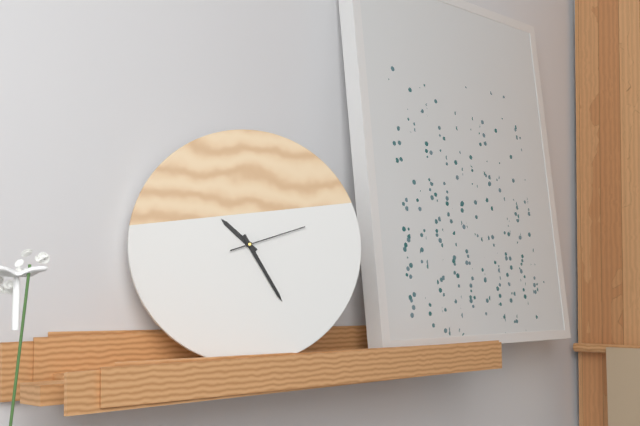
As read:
{"hour": 10, "minute": 25, "second": 12}
